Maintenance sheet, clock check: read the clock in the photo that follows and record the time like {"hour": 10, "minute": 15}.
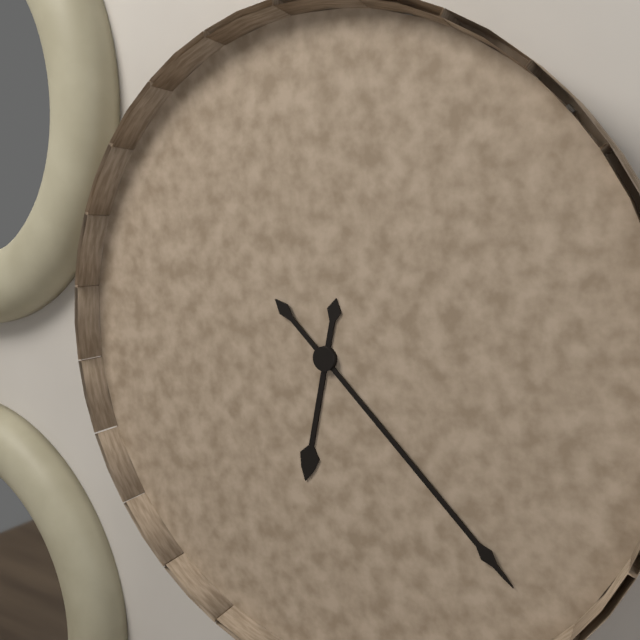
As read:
{"hour": 6, "minute": 22}
